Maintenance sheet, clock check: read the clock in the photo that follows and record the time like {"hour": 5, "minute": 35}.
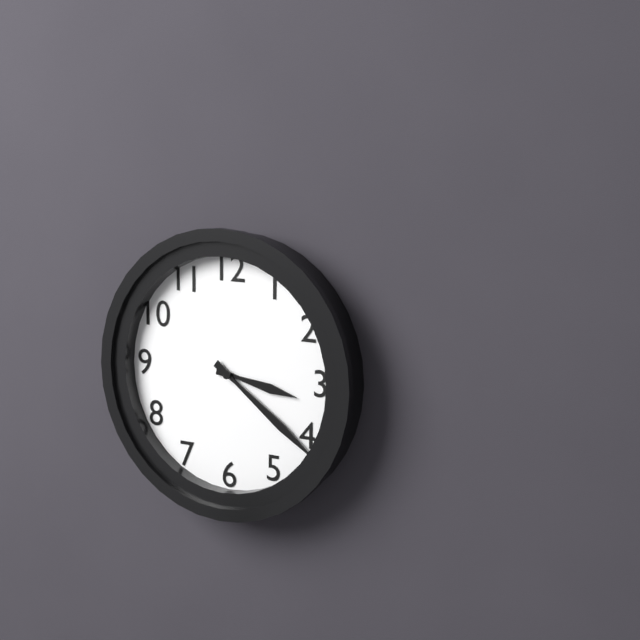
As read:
{"hour": 3, "minute": 21}
